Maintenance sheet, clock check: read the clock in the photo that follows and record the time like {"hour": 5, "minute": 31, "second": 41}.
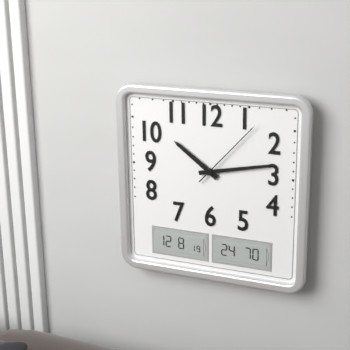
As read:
{"hour": 10, "minute": 13, "second": 7}
